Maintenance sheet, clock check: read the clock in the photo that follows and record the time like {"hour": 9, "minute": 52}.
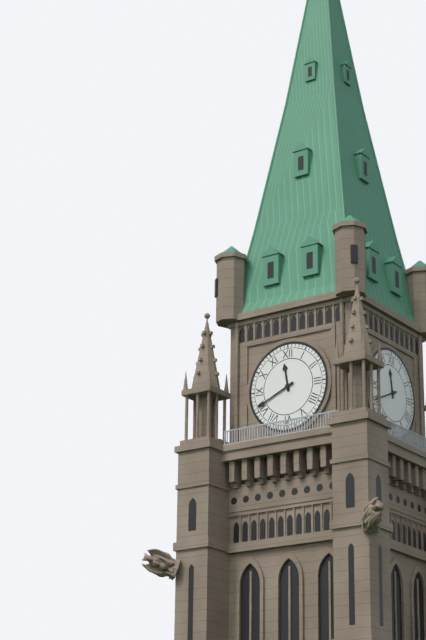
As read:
{"hour": 11, "minute": 41}
